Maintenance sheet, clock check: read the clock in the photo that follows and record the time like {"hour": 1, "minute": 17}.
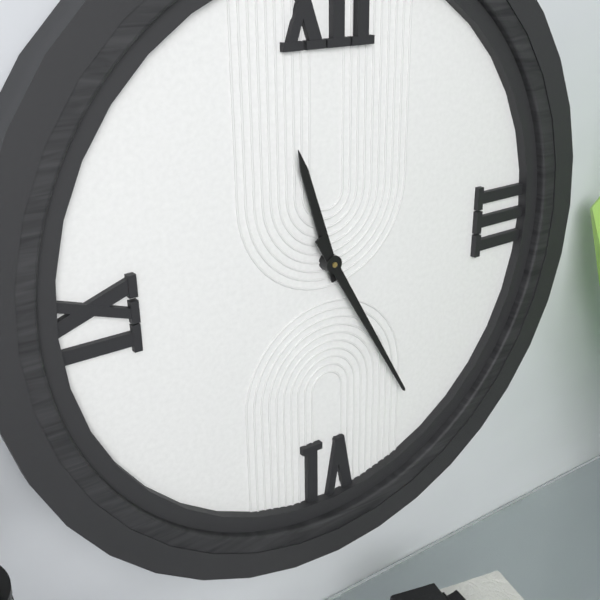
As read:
{"hour": 11, "minute": 25}
